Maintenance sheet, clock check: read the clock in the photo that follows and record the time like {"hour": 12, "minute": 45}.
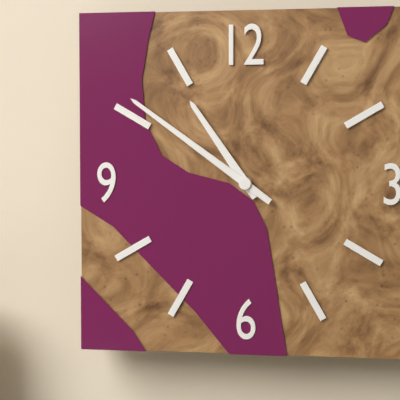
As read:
{"hour": 10, "minute": 51}
